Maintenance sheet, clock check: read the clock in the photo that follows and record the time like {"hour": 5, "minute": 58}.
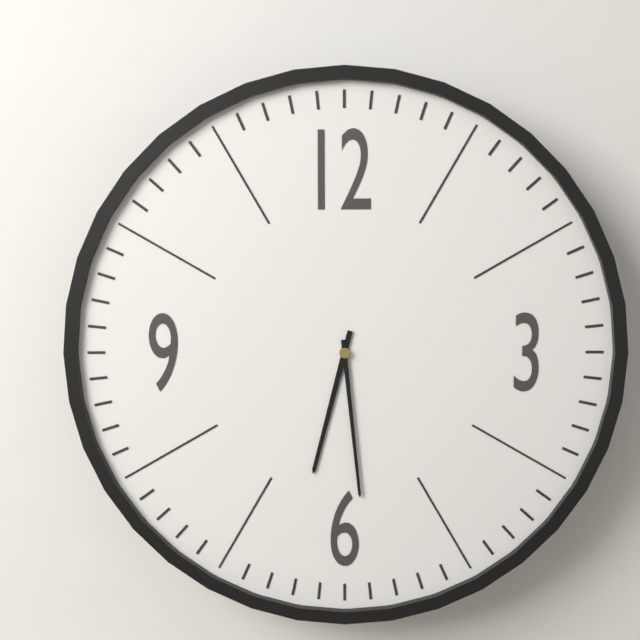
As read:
{"hour": 6, "minute": 29}
